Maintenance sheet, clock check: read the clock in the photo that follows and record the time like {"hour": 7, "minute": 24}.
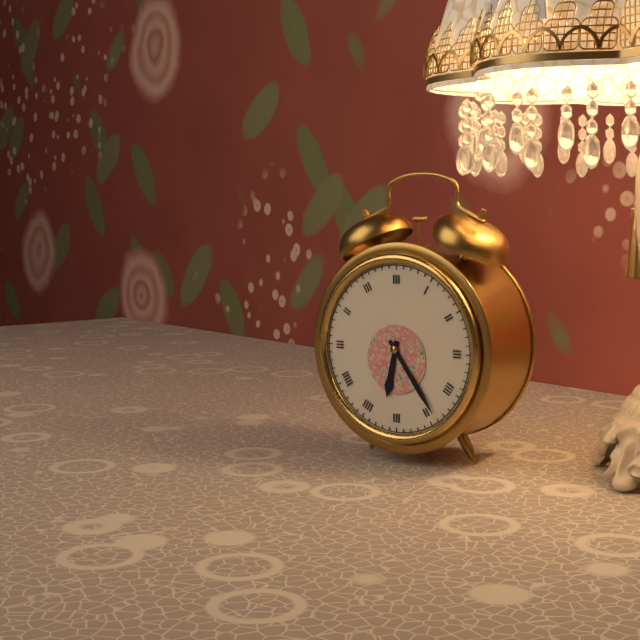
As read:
{"hour": 6, "minute": 24}
